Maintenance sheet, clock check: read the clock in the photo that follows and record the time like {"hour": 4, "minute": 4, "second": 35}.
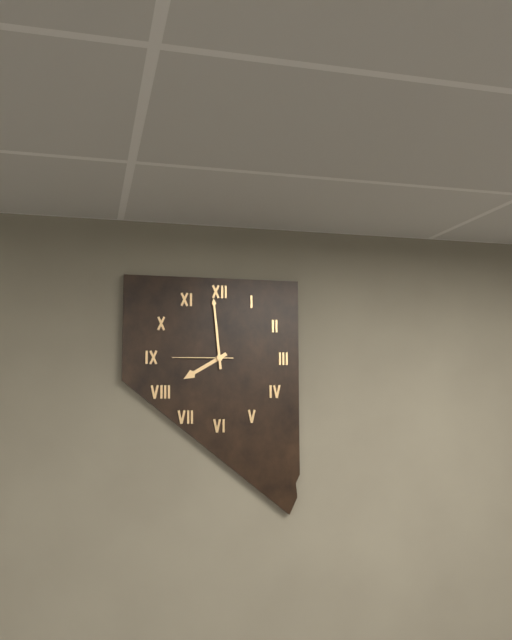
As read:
{"hour": 7, "minute": 59, "second": 45}
